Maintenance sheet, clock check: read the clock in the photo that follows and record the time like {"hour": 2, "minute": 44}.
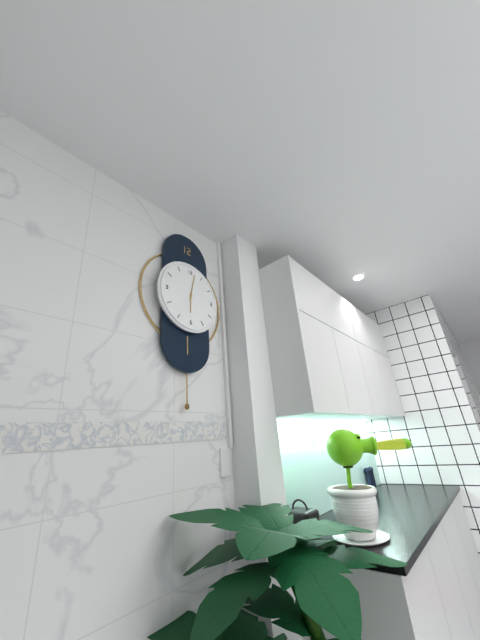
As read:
{"hour": 6, "minute": 2}
